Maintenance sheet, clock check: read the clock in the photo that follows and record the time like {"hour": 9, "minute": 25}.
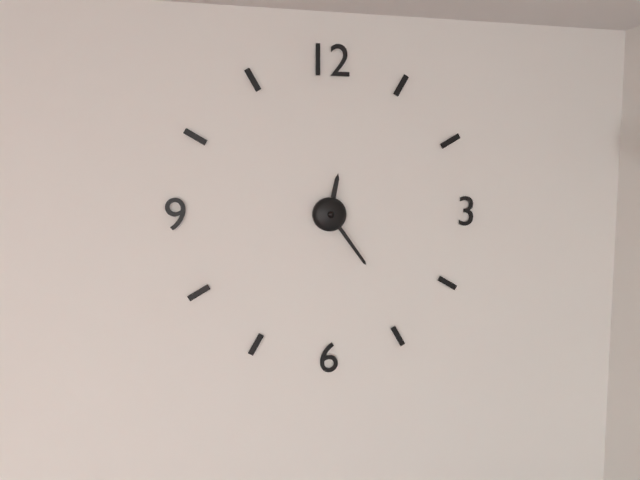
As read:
{"hour": 12, "minute": 24}
